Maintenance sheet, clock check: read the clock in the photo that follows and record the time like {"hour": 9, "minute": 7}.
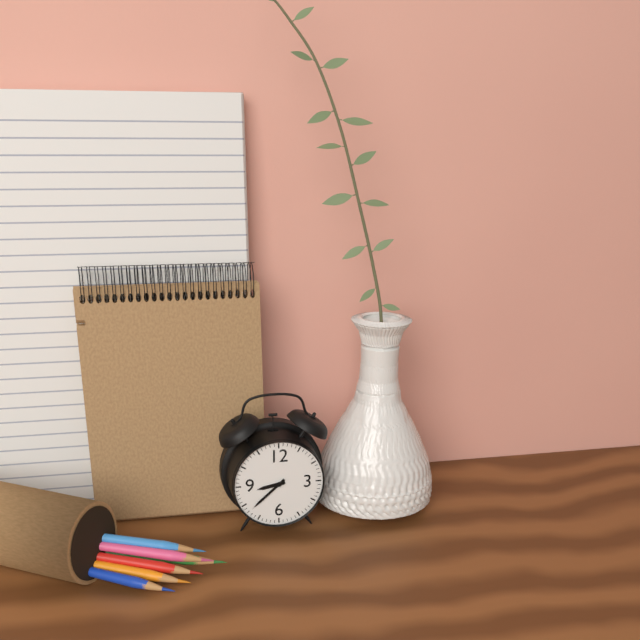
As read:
{"hour": 8, "minute": 38}
